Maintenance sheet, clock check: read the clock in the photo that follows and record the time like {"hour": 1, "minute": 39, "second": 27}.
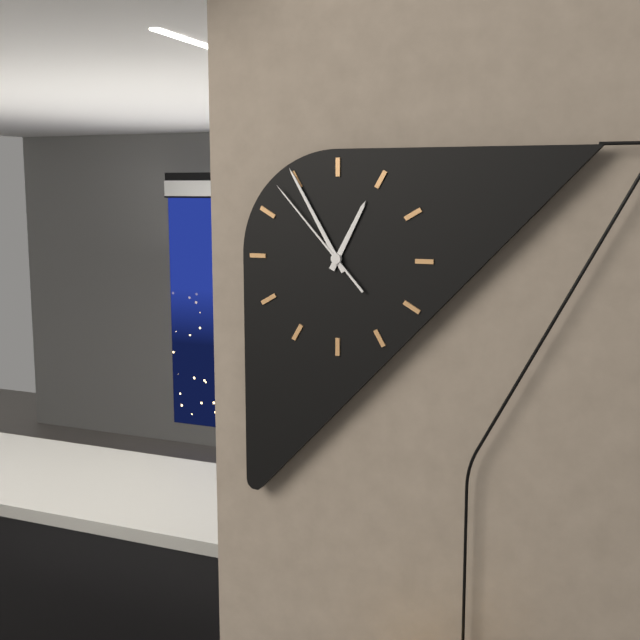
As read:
{"hour": 12, "minute": 55, "second": 53}
